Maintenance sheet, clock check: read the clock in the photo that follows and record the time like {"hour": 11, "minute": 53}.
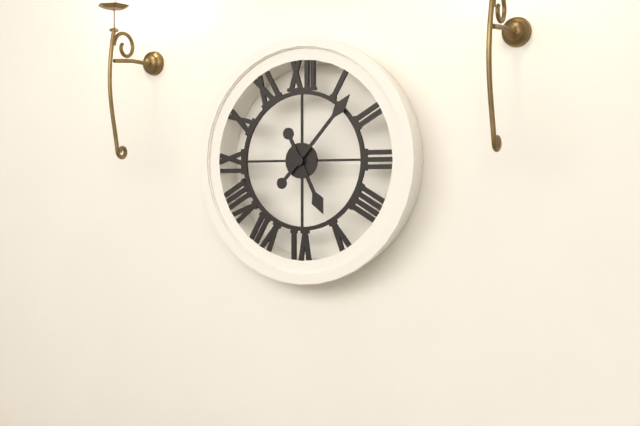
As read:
{"hour": 5, "minute": 7}
